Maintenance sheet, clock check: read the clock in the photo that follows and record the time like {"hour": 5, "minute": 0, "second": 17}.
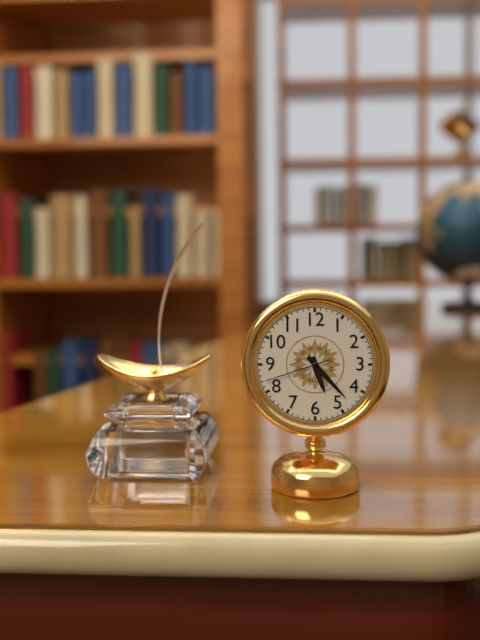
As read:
{"hour": 5, "minute": 23, "second": 42}
